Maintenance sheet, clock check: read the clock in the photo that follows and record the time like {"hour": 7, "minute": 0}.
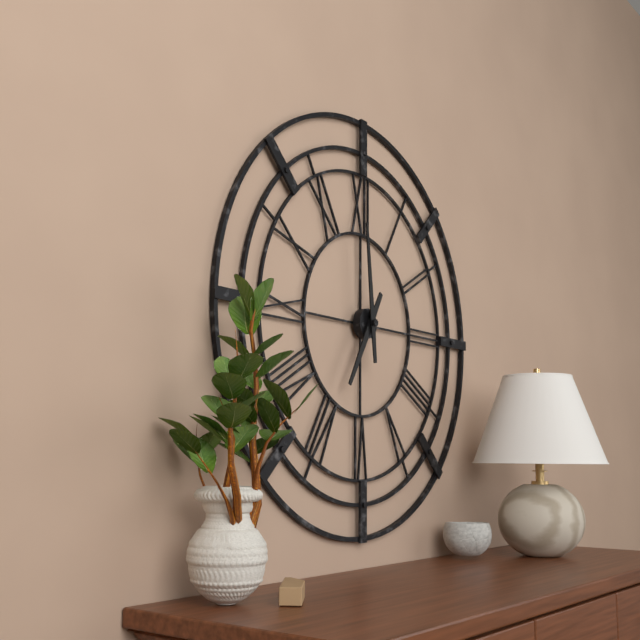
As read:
{"hour": 6, "minute": 59}
